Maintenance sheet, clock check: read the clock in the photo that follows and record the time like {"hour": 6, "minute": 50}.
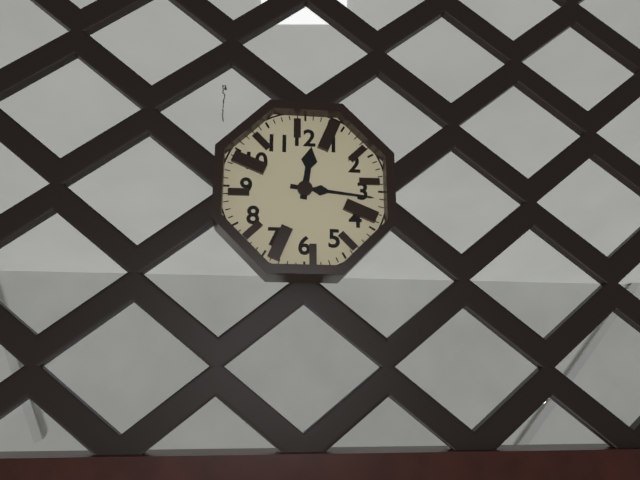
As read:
{"hour": 12, "minute": 16}
